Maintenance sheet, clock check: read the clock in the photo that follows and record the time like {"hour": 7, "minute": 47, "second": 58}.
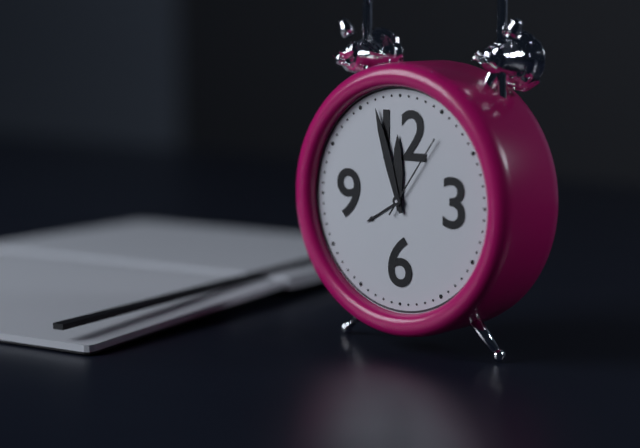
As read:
{"hour": 11, "minute": 57, "second": 6}
